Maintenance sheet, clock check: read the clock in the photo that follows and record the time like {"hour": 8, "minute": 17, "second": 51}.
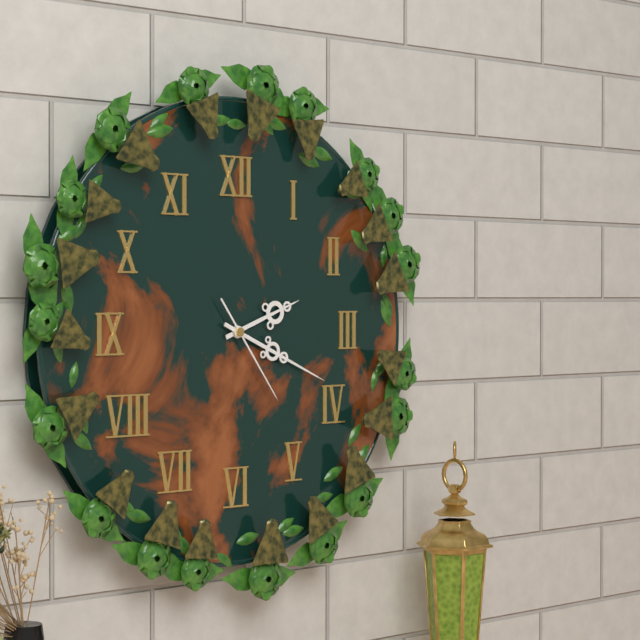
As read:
{"hour": 2, "minute": 19, "second": 24}
